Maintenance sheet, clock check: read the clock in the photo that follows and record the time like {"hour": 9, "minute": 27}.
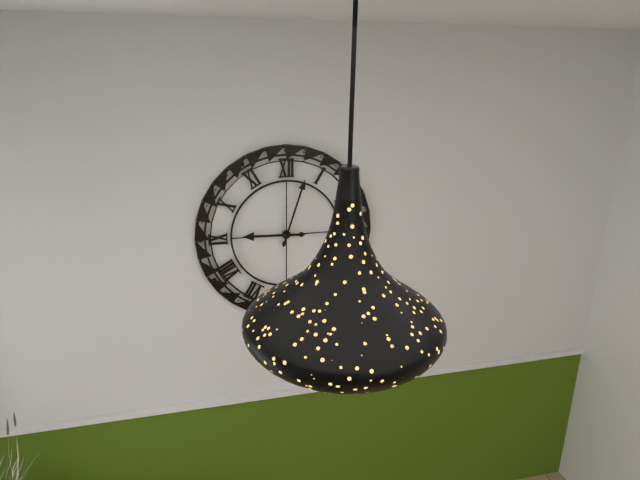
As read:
{"hour": 9, "minute": 3}
